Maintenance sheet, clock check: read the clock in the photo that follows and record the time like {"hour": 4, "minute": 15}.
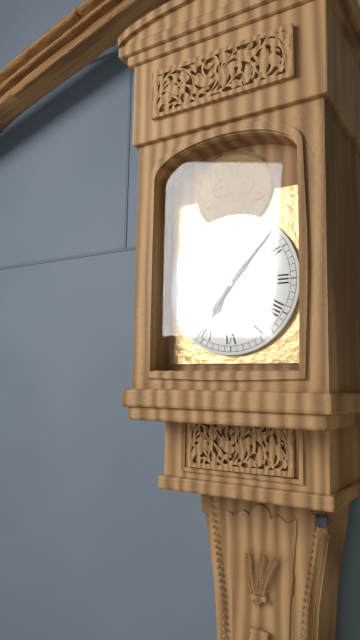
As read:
{"hour": 7, "minute": 7}
